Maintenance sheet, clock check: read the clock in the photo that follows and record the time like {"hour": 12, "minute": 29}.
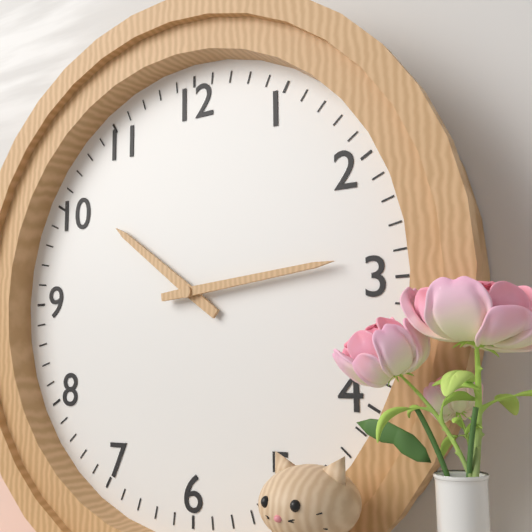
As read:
{"hour": 10, "minute": 14}
